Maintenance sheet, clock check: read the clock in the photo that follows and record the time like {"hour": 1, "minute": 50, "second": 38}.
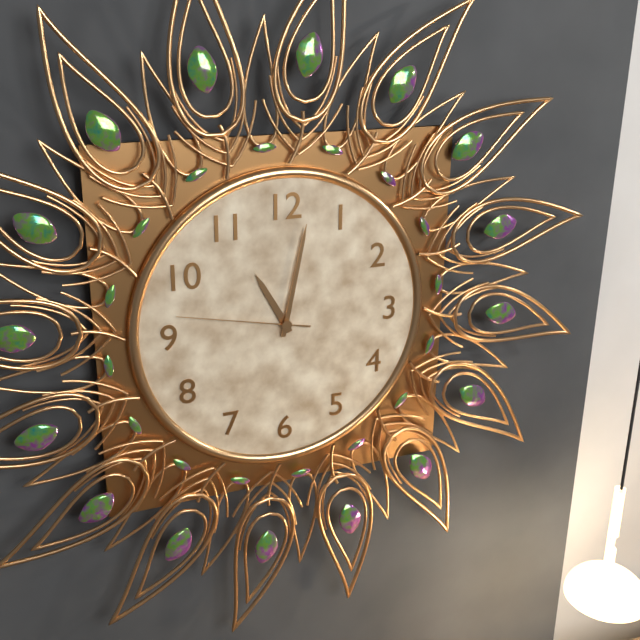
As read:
{"hour": 11, "minute": 2, "second": 47}
